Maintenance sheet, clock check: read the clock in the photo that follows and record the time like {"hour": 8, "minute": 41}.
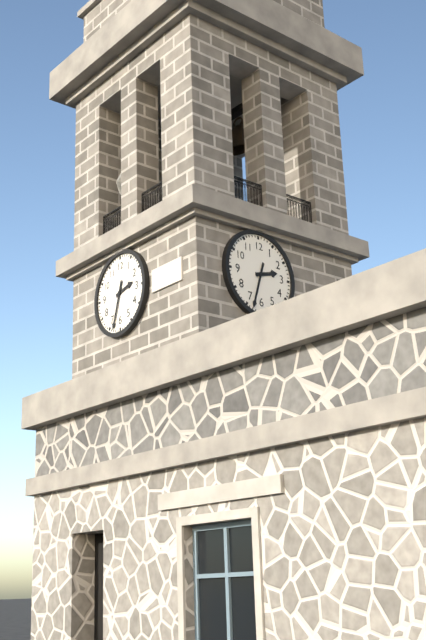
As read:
{"hour": 2, "minute": 33}
